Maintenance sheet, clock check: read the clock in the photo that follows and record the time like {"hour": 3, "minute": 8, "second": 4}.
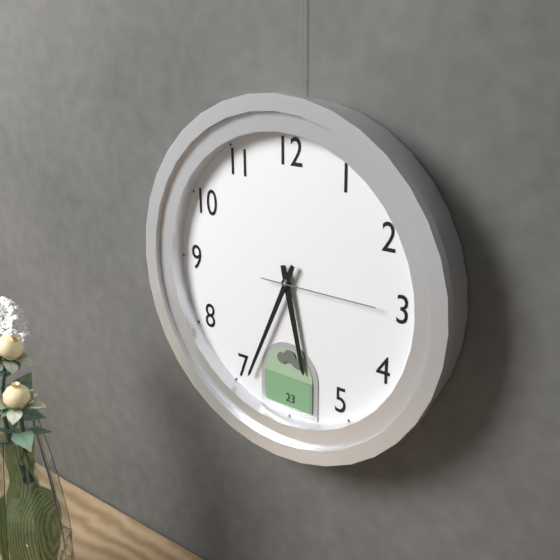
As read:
{"hour": 5, "minute": 34, "second": 15}
